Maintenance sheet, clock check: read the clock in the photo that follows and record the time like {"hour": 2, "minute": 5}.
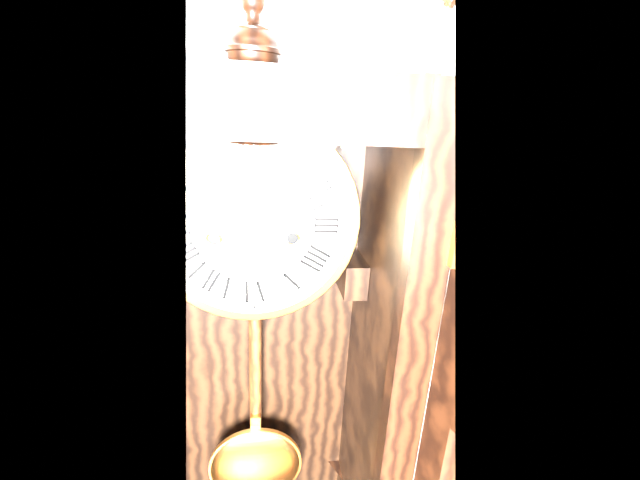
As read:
{"hour": 12, "minute": 12}
